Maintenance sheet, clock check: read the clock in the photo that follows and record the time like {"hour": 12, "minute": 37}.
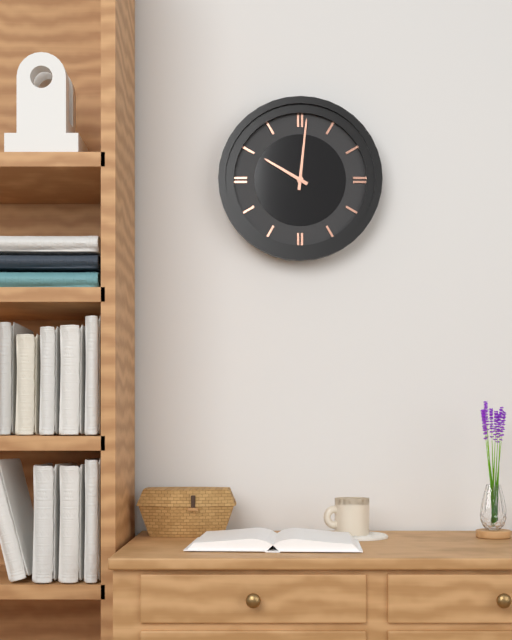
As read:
{"hour": 10, "minute": 1}
